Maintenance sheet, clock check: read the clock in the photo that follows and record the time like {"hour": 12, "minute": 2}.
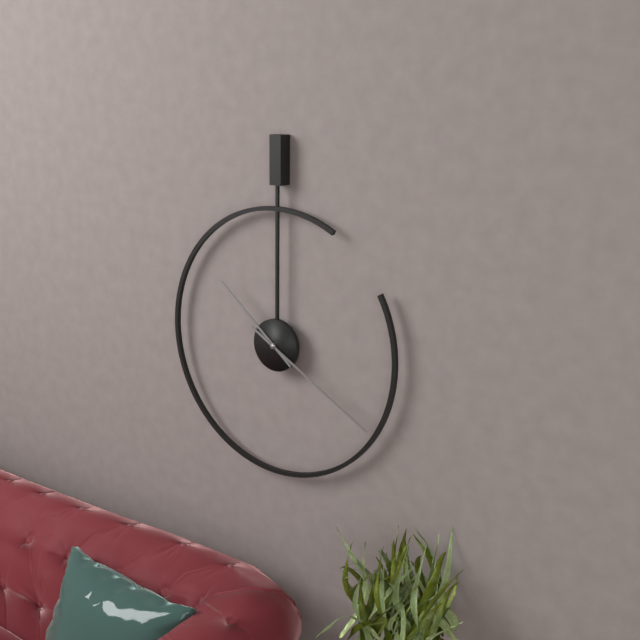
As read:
{"hour": 10, "minute": 20}
